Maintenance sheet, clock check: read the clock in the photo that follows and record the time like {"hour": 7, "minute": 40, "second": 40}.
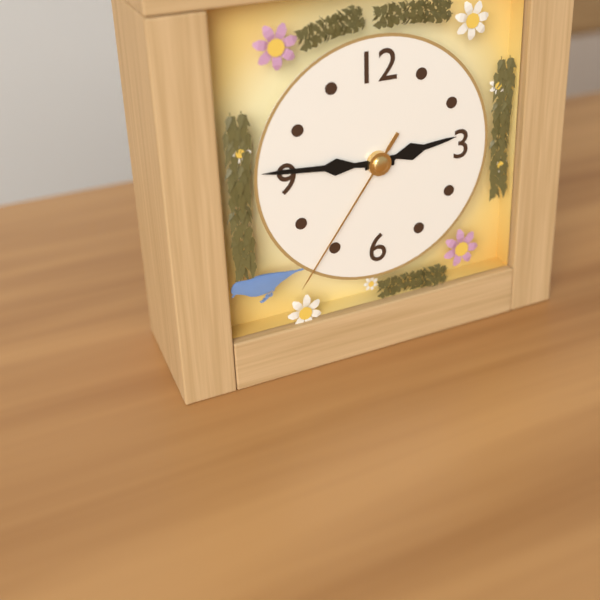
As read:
{"hour": 2, "minute": 46, "second": 36}
